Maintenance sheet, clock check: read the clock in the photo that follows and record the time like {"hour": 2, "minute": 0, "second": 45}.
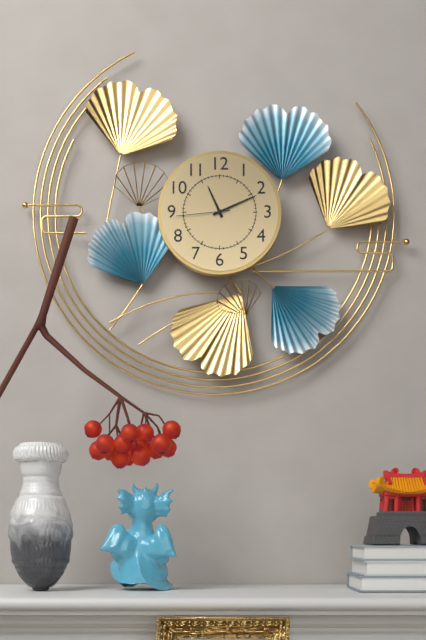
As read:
{"hour": 11, "minute": 11, "second": 44}
